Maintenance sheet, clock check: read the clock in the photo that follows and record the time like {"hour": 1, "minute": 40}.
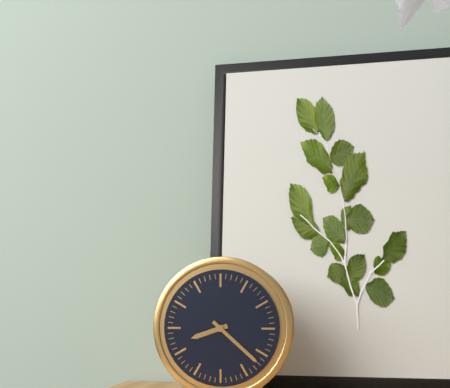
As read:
{"hour": 8, "minute": 22}
